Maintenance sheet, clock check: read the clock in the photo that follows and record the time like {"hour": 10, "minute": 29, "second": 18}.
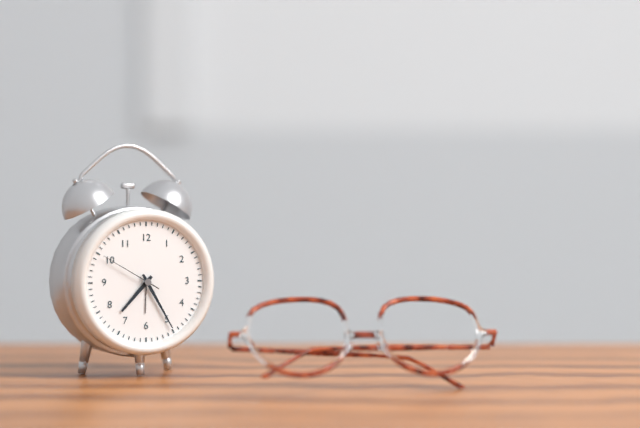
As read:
{"hour": 7, "minute": 25, "second": 50}
